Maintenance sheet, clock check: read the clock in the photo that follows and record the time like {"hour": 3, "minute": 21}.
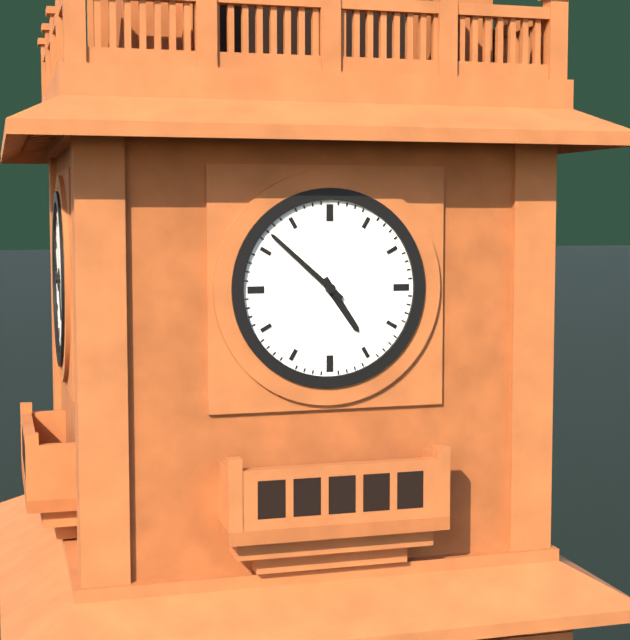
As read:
{"hour": 4, "minute": 52}
